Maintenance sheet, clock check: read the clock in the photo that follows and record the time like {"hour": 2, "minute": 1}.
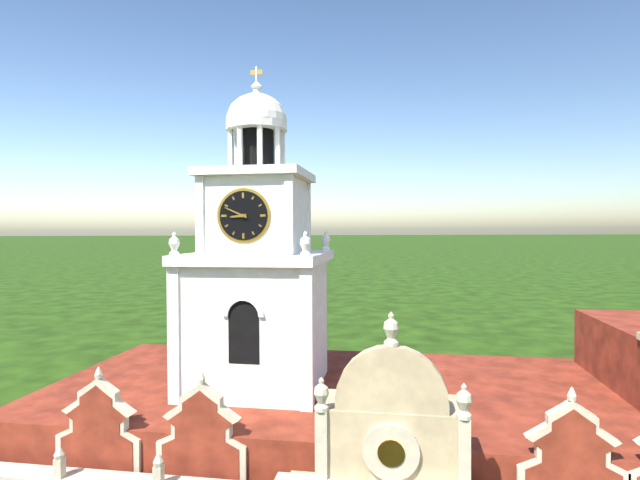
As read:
{"hour": 8, "minute": 49}
